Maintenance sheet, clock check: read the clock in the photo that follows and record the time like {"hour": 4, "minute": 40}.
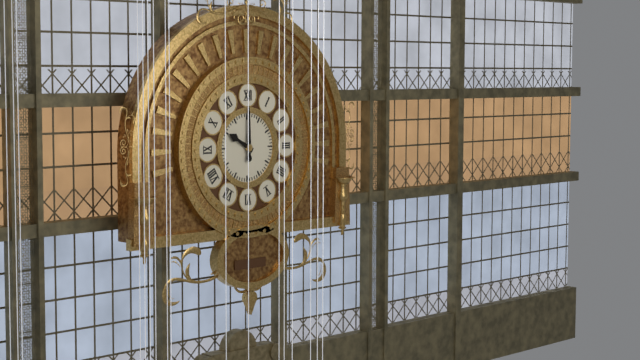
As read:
{"hour": 10, "minute": 0}
